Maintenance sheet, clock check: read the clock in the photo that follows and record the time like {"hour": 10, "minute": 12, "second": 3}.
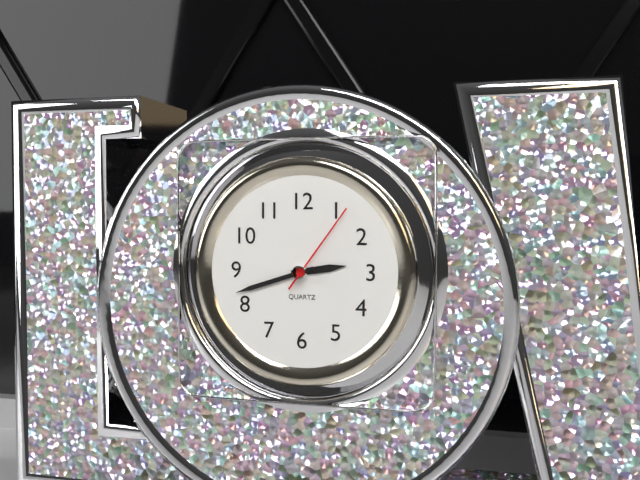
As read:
{"hour": 2, "minute": 42, "second": 6}
